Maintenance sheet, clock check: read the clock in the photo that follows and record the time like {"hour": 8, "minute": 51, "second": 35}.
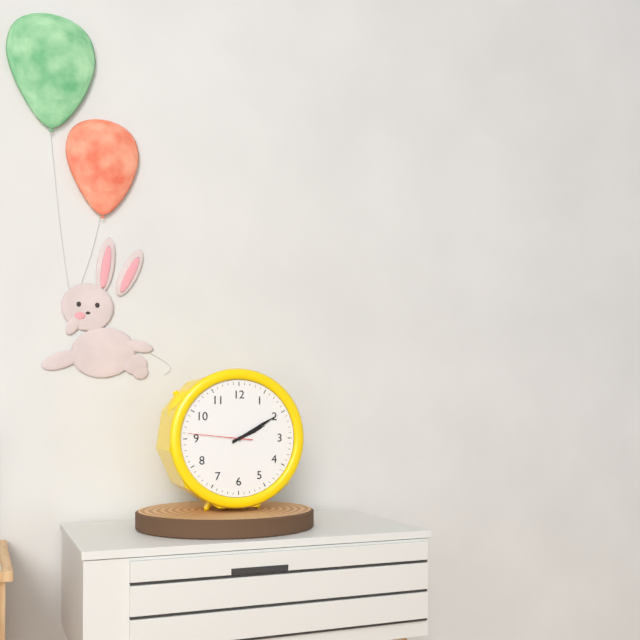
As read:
{"hour": 2, "minute": 10, "second": 46}
